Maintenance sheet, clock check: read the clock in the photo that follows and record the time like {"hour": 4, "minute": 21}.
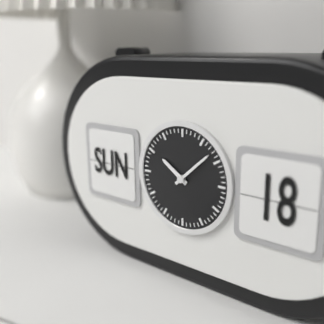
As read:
{"hour": 10, "minute": 8}
